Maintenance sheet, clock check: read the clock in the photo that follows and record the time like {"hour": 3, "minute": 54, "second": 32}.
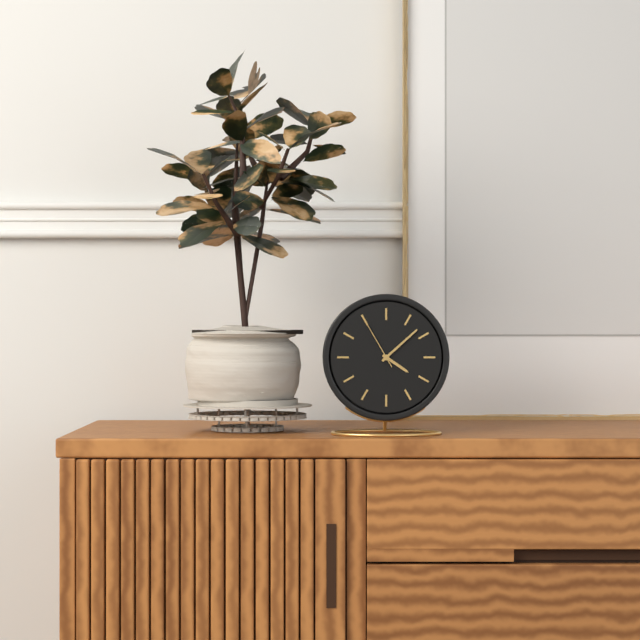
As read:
{"hour": 4, "minute": 8, "second": 55}
